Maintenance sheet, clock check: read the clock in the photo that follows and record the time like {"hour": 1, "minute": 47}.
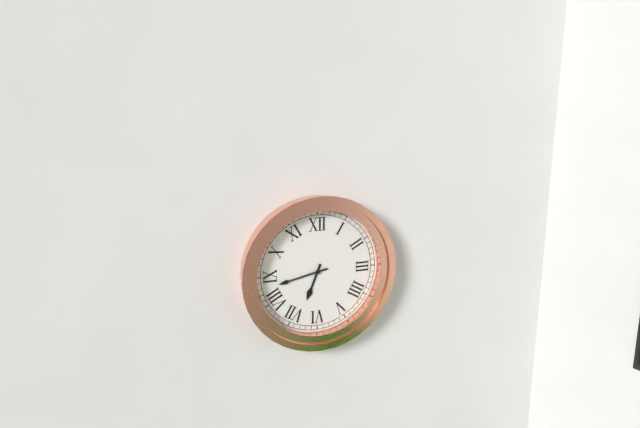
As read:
{"hour": 6, "minute": 43}
